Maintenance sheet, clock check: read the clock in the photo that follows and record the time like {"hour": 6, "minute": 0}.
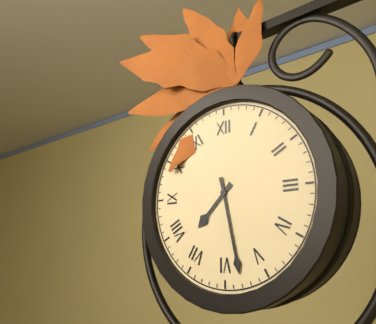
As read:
{"hour": 7, "minute": 28}
